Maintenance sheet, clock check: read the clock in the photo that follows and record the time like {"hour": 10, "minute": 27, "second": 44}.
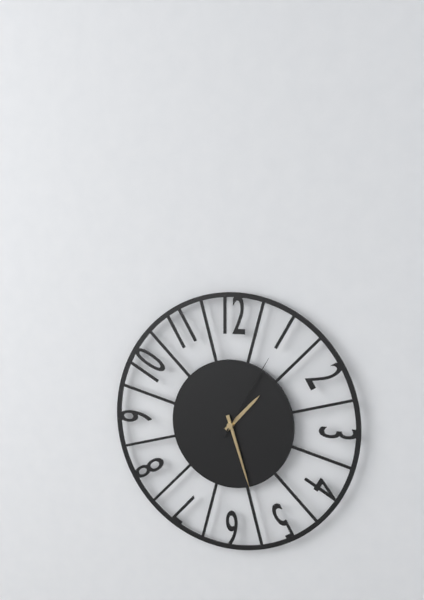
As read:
{"hour": 1, "minute": 27, "second": 5}
